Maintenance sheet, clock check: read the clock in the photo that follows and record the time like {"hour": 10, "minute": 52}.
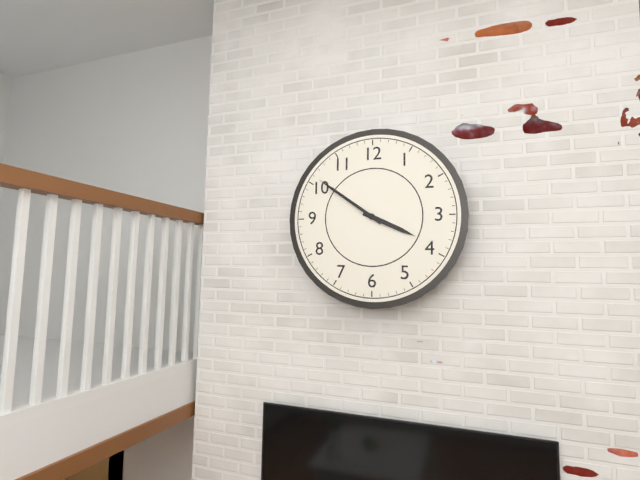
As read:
{"hour": 3, "minute": 51}
